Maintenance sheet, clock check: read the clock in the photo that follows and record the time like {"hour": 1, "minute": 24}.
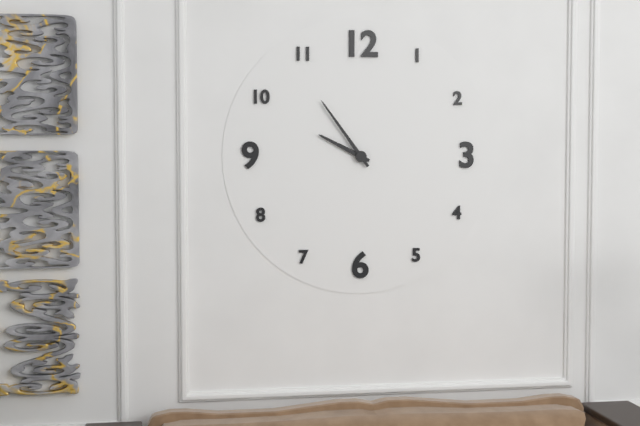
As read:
{"hour": 9, "minute": 54}
